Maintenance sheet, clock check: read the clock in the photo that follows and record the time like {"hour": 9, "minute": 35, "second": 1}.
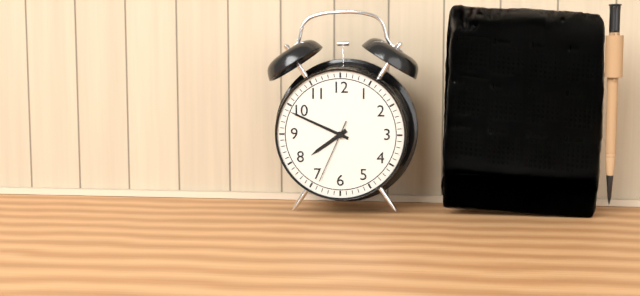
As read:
{"hour": 7, "minute": 49, "second": 34}
